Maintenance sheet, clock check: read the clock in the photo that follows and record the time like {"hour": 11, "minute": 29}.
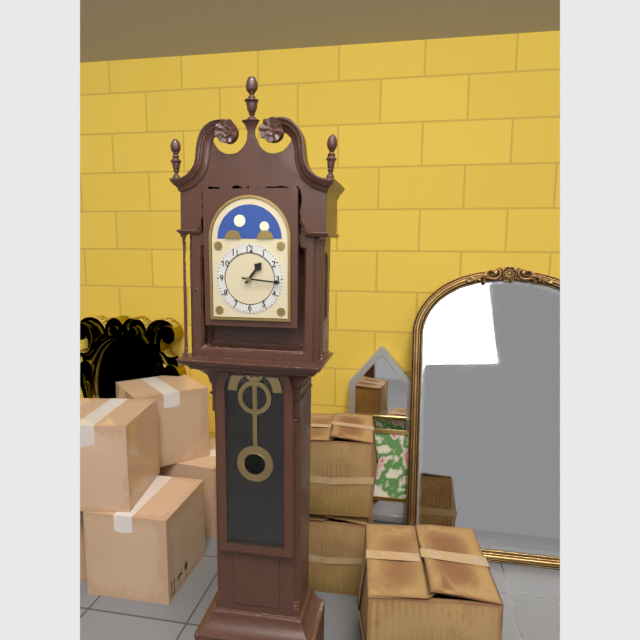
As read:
{"hour": 1, "minute": 16}
